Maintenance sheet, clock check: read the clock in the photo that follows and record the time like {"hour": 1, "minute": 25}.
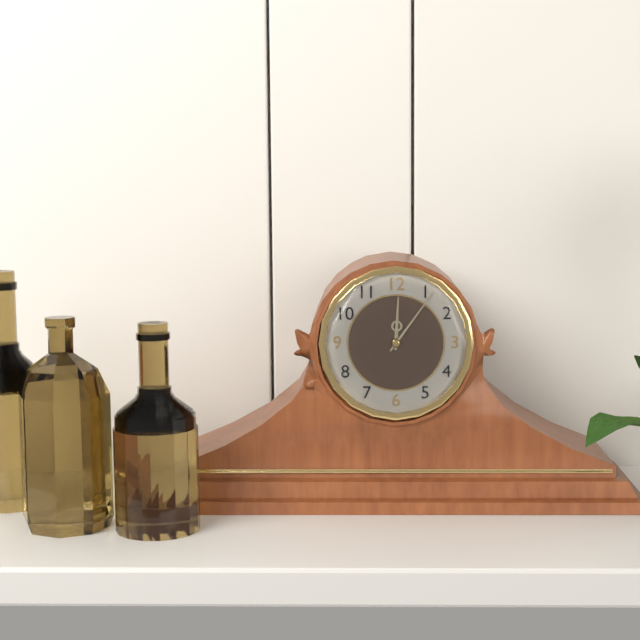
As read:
{"hour": 12, "minute": 6}
